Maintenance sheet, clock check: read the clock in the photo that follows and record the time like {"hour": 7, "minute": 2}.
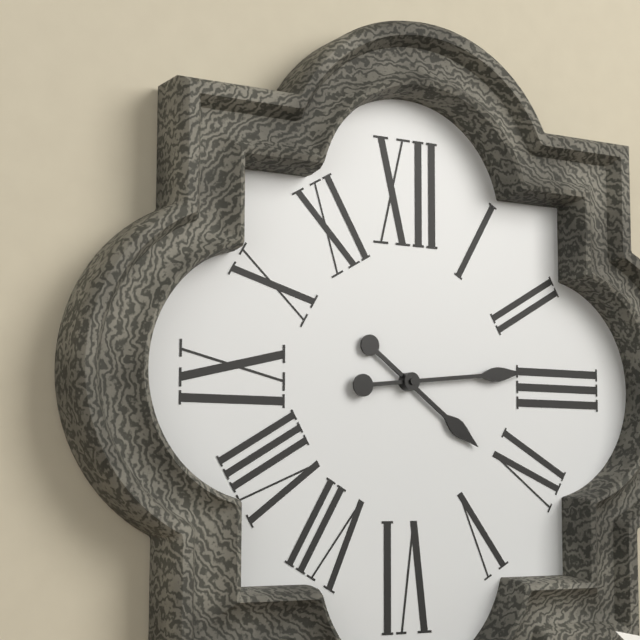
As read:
{"hour": 4, "minute": 14}
